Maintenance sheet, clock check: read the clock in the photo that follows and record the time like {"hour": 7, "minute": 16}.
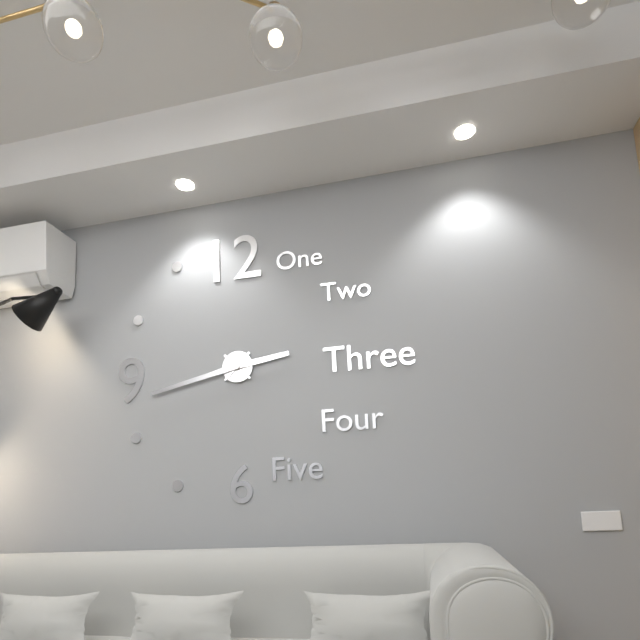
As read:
{"hour": 2, "minute": 43}
